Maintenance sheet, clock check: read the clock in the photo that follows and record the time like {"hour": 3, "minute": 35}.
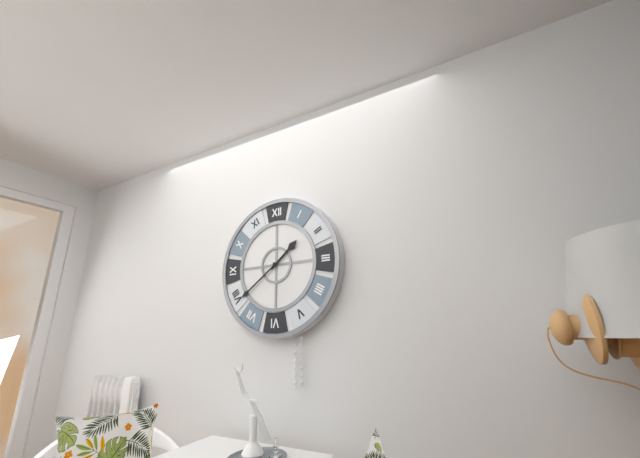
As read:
{"hour": 1, "minute": 39}
